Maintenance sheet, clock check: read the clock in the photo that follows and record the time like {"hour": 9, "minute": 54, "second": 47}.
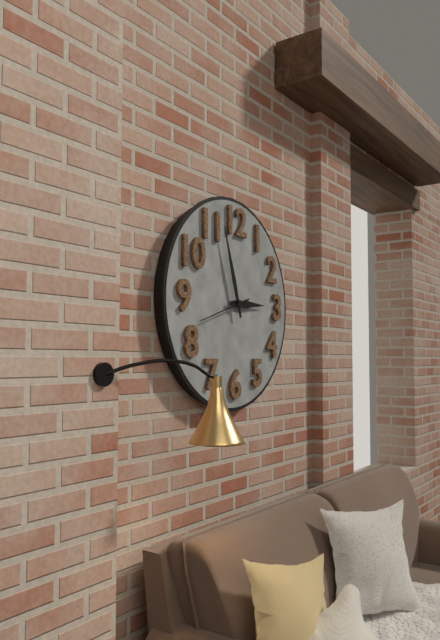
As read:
{"hour": 2, "minute": 57, "second": 42}
